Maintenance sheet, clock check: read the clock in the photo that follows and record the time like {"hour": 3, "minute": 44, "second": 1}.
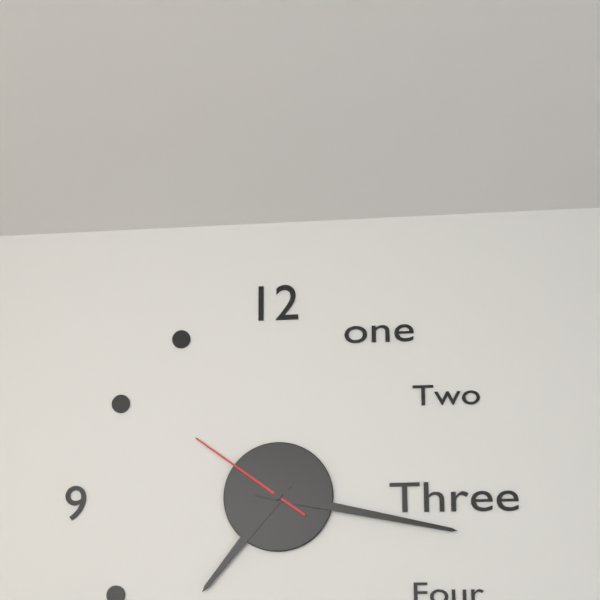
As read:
{"hour": 7, "minute": 17, "second": 51}
